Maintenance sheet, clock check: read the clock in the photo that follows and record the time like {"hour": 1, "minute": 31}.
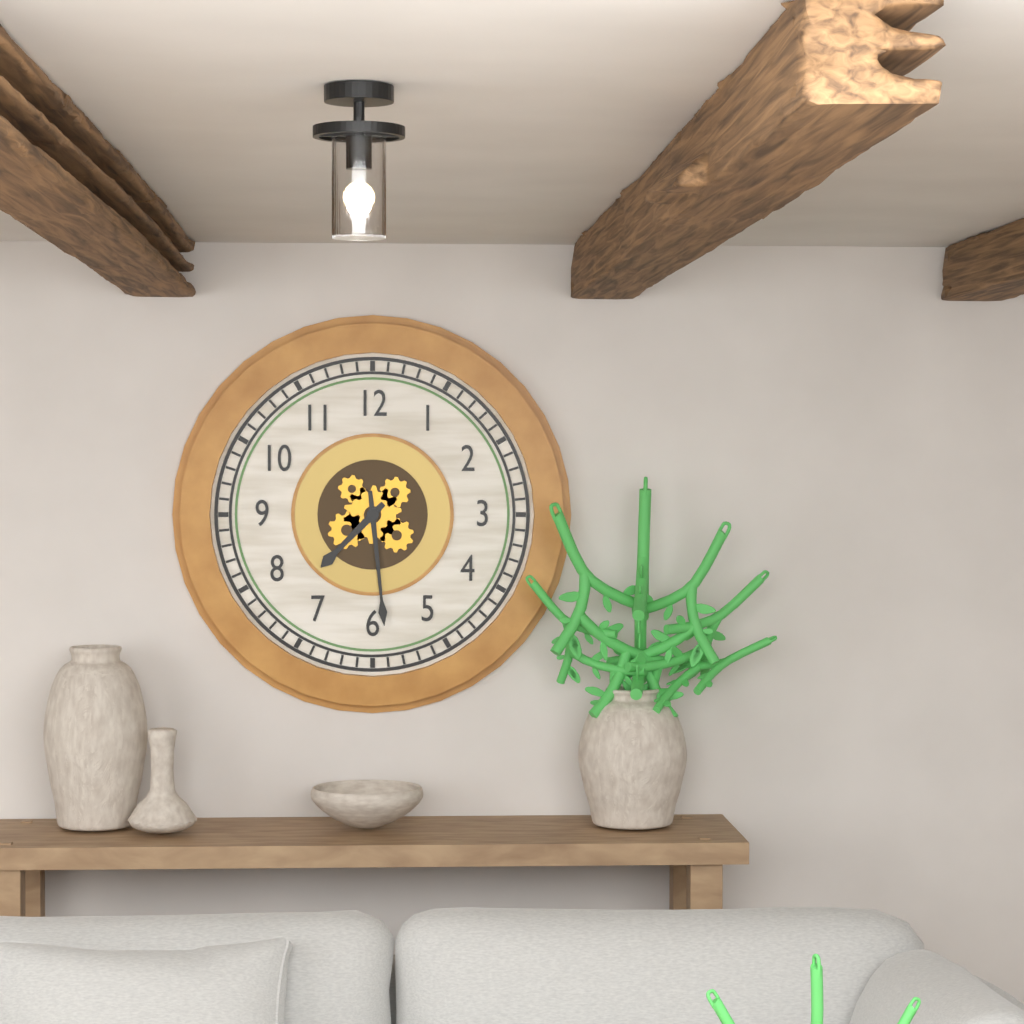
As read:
{"hour": 7, "minute": 29}
